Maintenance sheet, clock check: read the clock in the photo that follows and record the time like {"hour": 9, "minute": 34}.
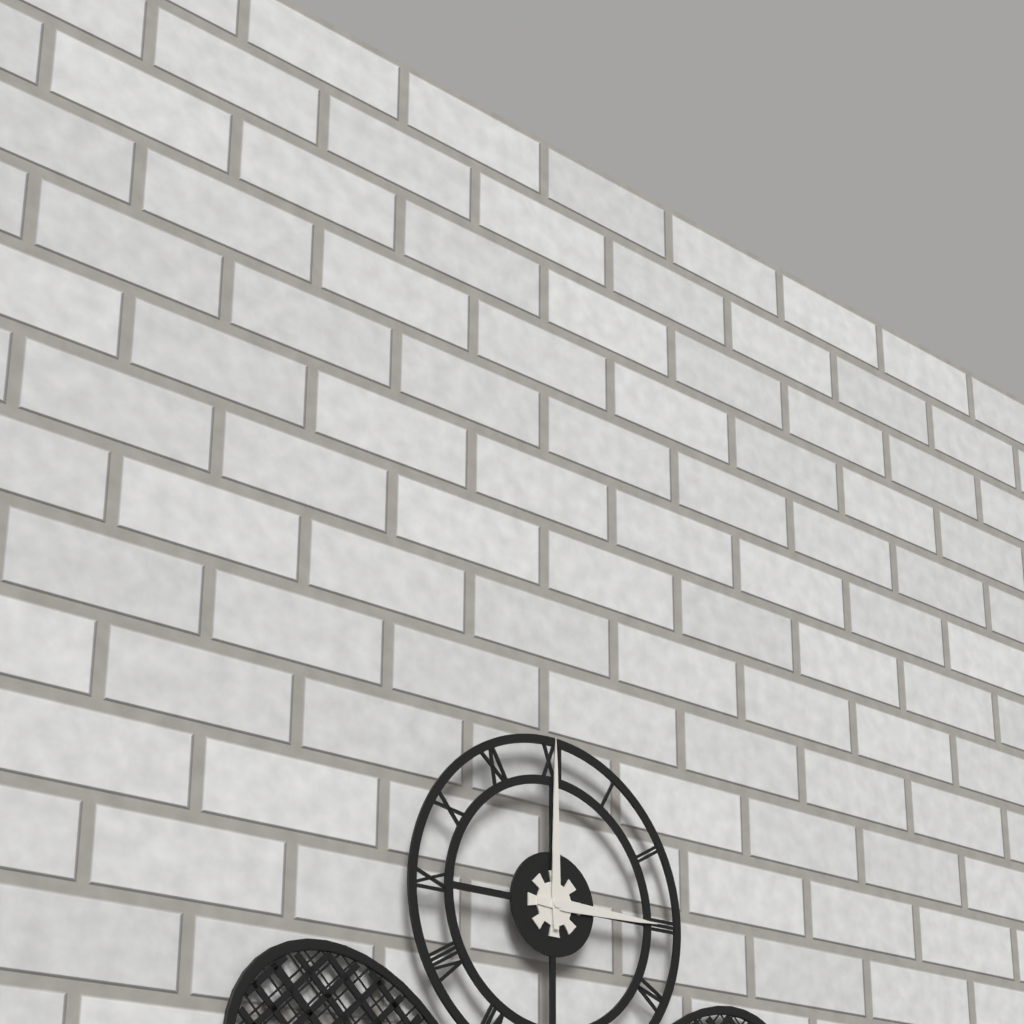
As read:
{"hour": 3, "minute": 0}
